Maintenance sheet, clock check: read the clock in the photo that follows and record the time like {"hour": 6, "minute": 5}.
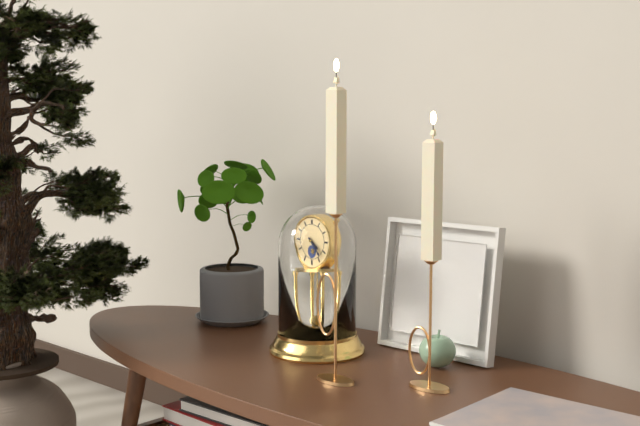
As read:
{"hour": 4, "minute": 23}
